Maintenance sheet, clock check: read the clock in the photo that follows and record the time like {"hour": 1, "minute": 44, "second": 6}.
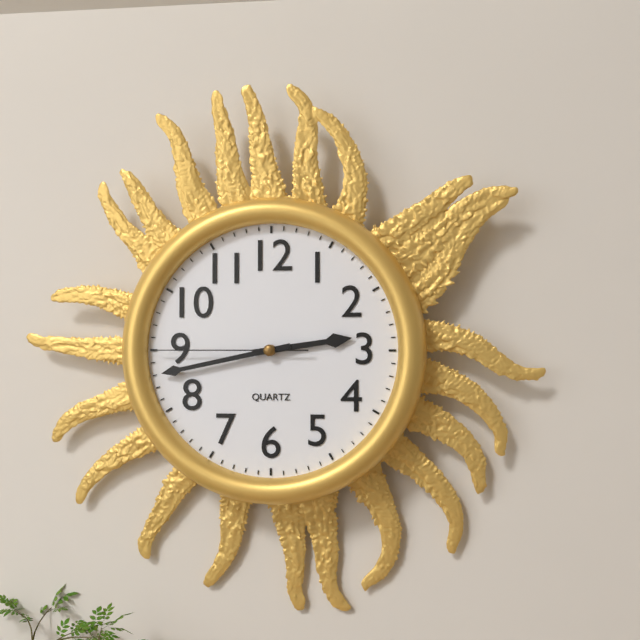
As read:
{"hour": 2, "minute": 43, "second": 45}
